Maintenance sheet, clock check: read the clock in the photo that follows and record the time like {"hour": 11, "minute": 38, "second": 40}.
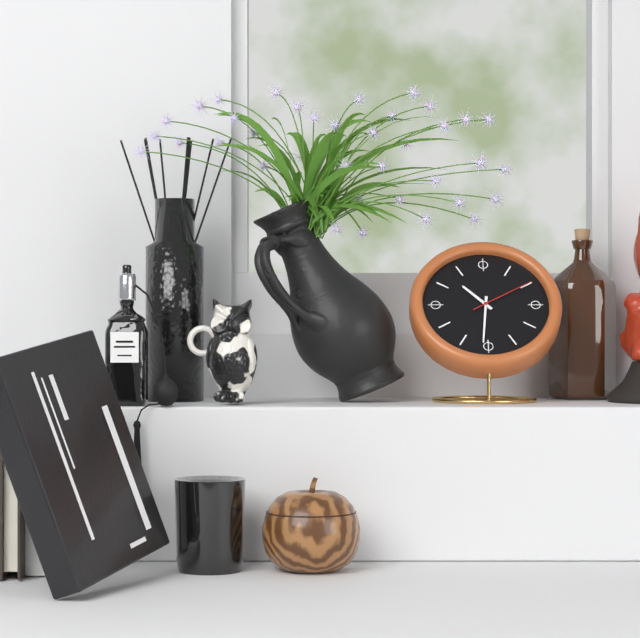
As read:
{"hour": 10, "minute": 31, "second": 10}
